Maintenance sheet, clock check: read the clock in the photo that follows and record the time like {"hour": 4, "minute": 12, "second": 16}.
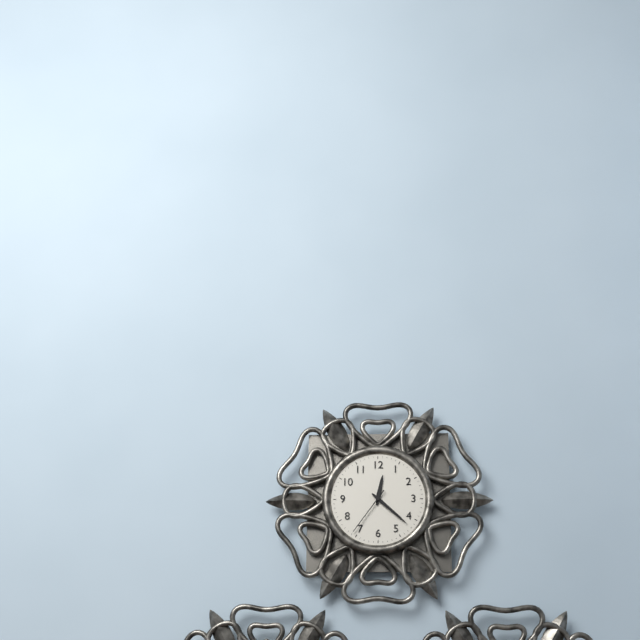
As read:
{"hour": 12, "minute": 22, "second": 36}
